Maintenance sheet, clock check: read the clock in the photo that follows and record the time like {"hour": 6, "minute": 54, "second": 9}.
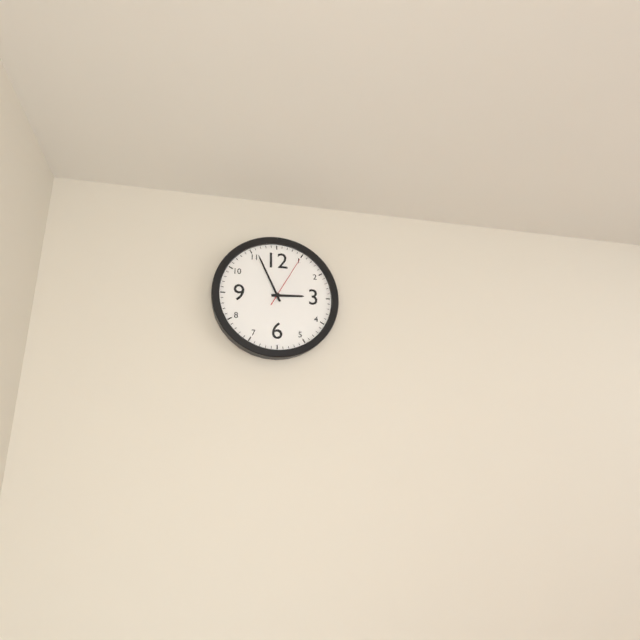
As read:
{"hour": 2, "minute": 56, "second": 5}
